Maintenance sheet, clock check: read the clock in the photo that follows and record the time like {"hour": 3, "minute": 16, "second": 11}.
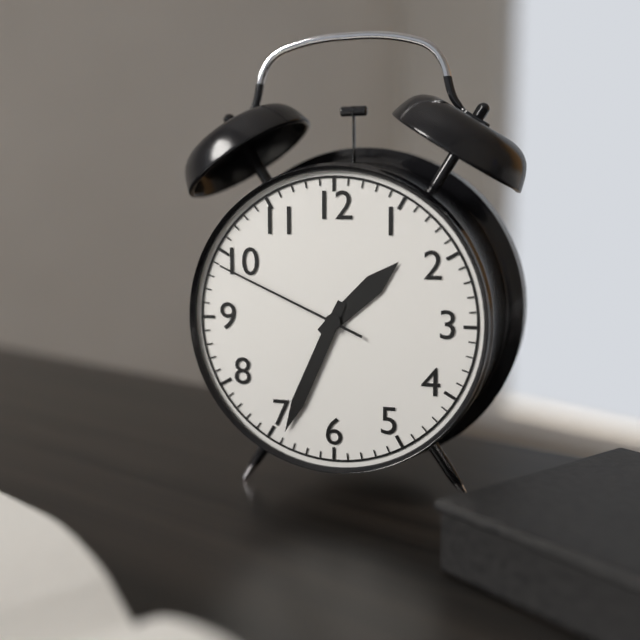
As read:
{"hour": 1, "minute": 34, "second": 49}
